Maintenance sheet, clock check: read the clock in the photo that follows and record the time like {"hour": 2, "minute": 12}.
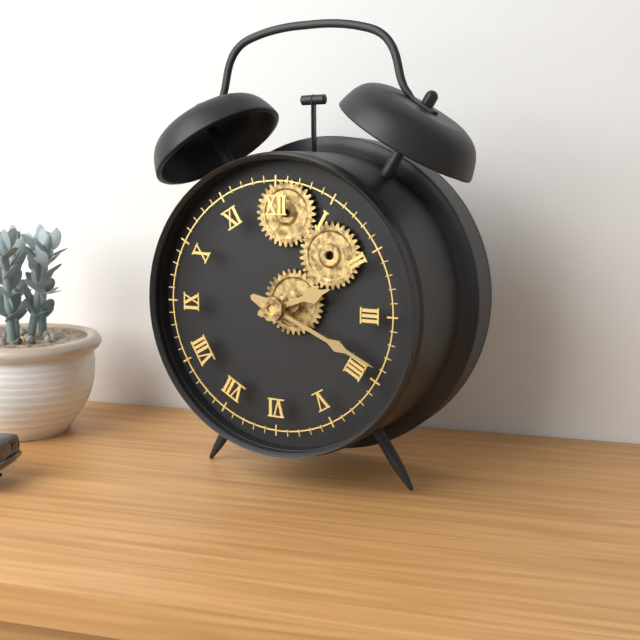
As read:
{"hour": 2, "minute": 19}
